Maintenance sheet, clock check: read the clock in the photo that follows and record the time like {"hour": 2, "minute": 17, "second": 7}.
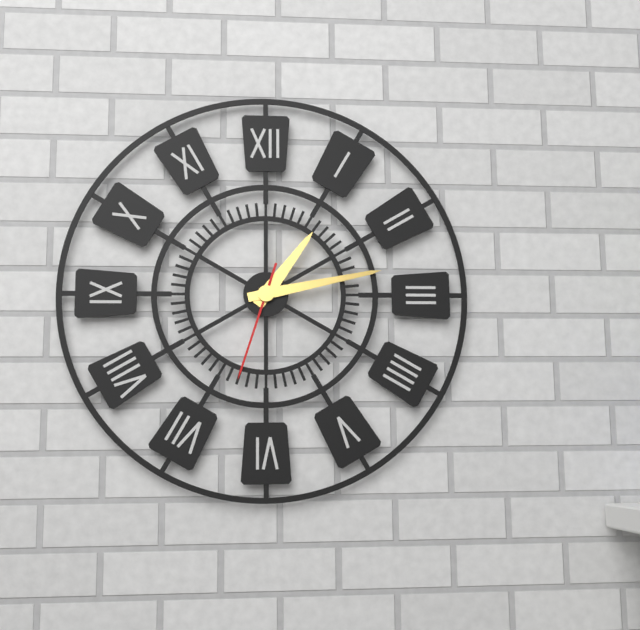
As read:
{"hour": 1, "minute": 13, "second": 33}
